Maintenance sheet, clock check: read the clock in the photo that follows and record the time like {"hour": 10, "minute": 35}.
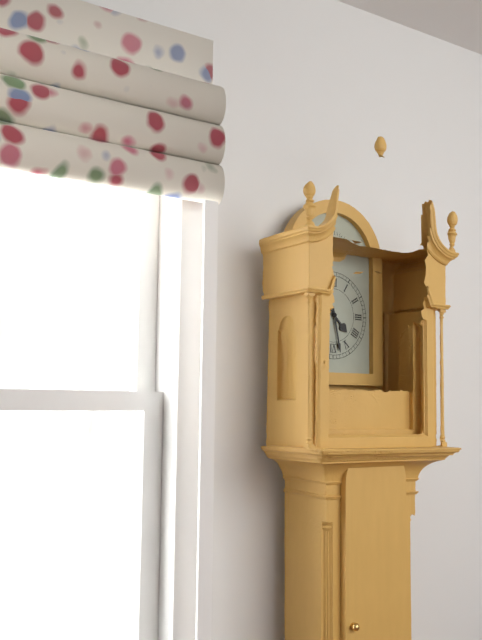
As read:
{"hour": 4, "minute": 28}
